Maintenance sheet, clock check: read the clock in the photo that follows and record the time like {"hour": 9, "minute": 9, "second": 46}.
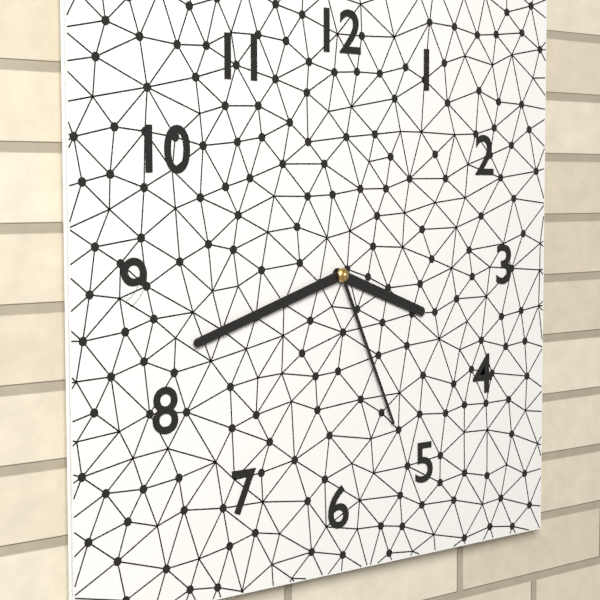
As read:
{"hour": 3, "minute": 42, "second": 26}
